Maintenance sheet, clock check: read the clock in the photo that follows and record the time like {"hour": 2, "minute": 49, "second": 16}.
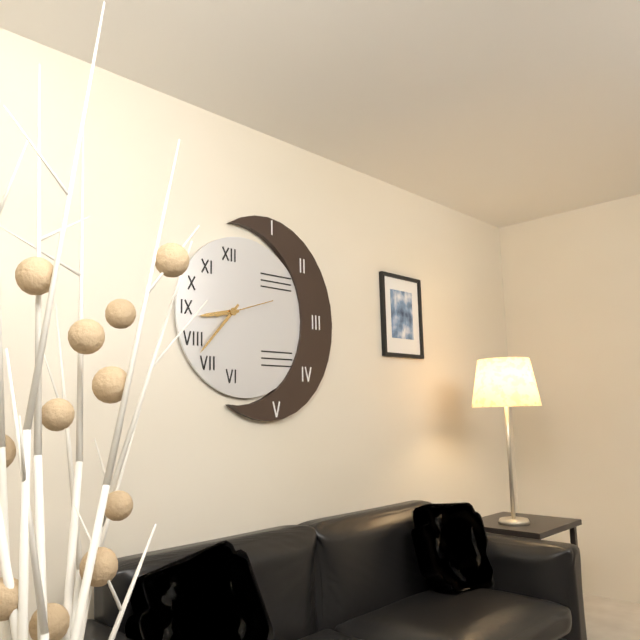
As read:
{"hour": 8, "minute": 37, "second": 12}
